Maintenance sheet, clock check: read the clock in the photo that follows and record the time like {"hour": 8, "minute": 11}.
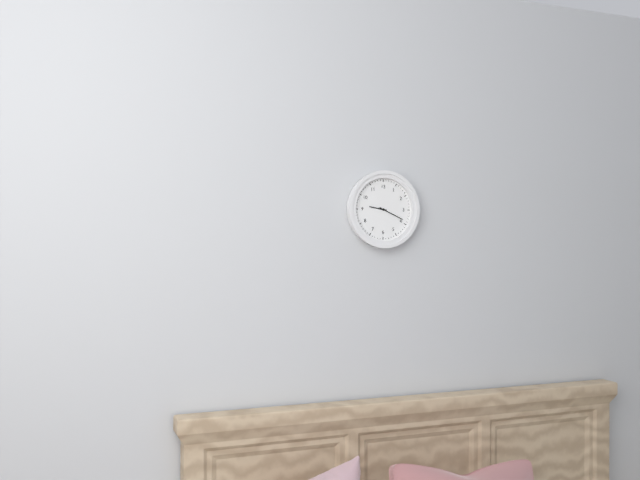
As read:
{"hour": 9, "minute": 19}
